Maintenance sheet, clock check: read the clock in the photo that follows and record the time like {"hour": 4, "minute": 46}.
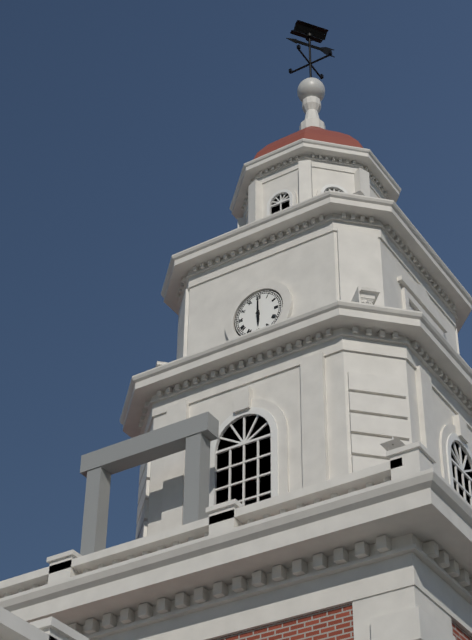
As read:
{"hour": 6, "minute": 0}
